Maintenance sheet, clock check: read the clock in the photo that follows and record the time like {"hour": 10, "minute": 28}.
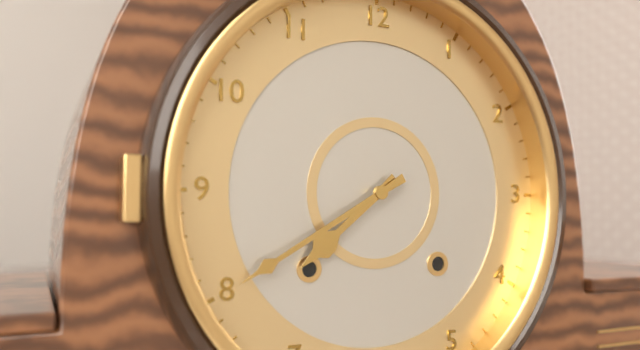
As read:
{"hour": 7, "minute": 40}
